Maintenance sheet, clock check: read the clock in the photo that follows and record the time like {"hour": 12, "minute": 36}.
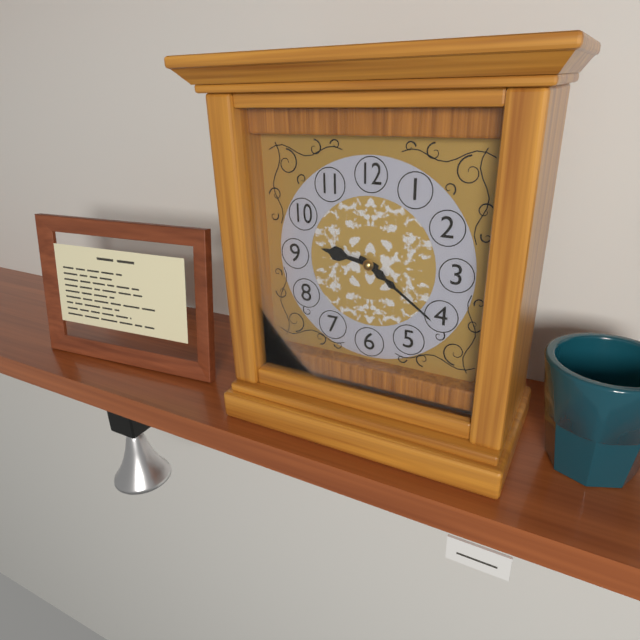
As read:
{"hour": 9, "minute": 21}
